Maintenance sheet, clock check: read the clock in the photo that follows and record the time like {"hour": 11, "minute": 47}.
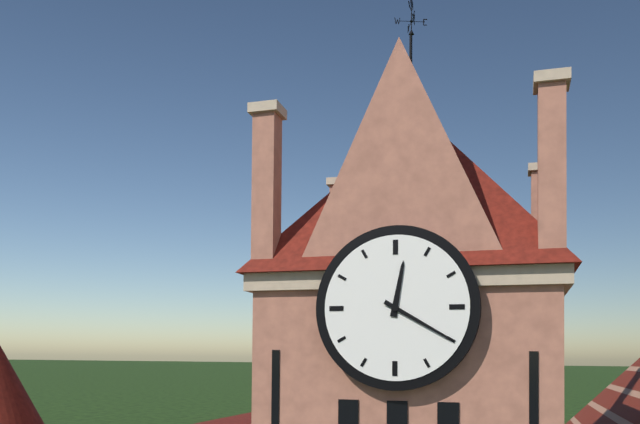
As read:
{"hour": 12, "minute": 20}
